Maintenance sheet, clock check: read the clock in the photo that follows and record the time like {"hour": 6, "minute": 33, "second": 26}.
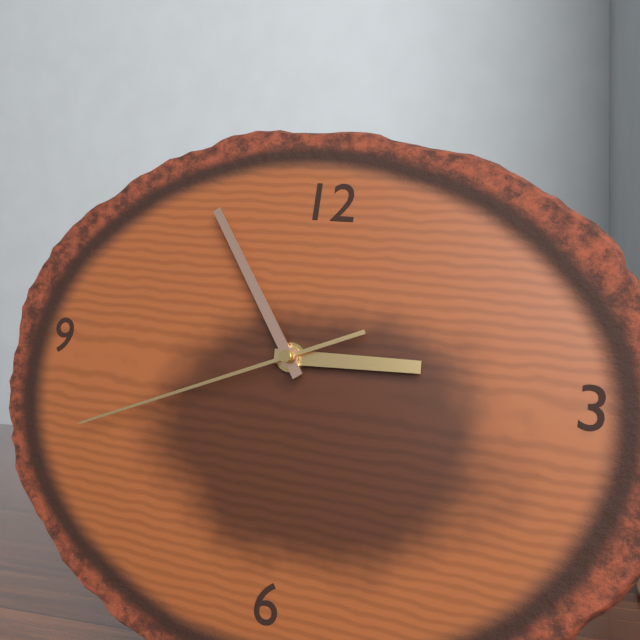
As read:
{"hour": 2, "minute": 54, "second": 41}
